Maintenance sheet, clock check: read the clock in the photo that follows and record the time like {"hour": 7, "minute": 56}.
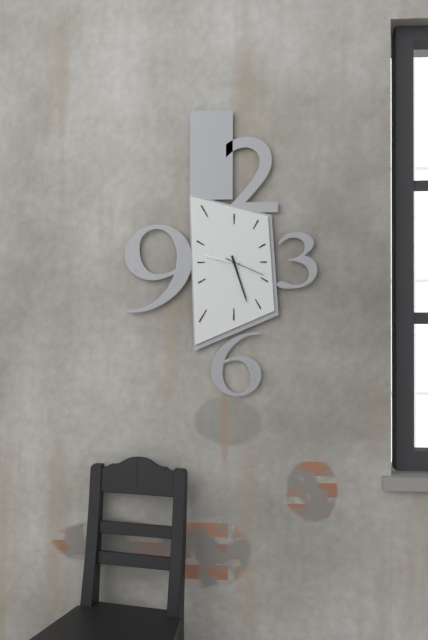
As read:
{"hour": 9, "minute": 27}
